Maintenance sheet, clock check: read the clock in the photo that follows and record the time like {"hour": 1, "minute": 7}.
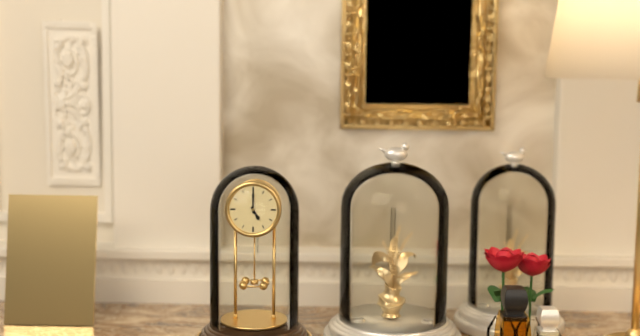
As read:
{"hour": 5, "minute": 0}
